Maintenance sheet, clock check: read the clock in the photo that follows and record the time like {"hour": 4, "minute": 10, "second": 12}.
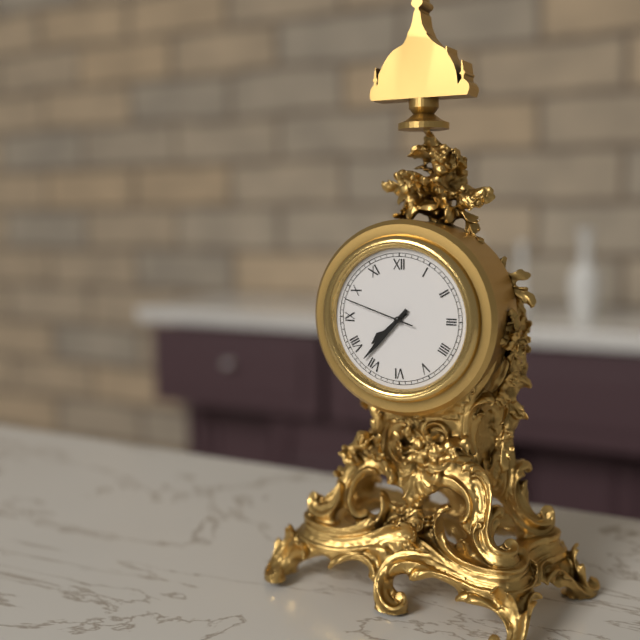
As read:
{"hour": 7, "minute": 37, "second": 48}
